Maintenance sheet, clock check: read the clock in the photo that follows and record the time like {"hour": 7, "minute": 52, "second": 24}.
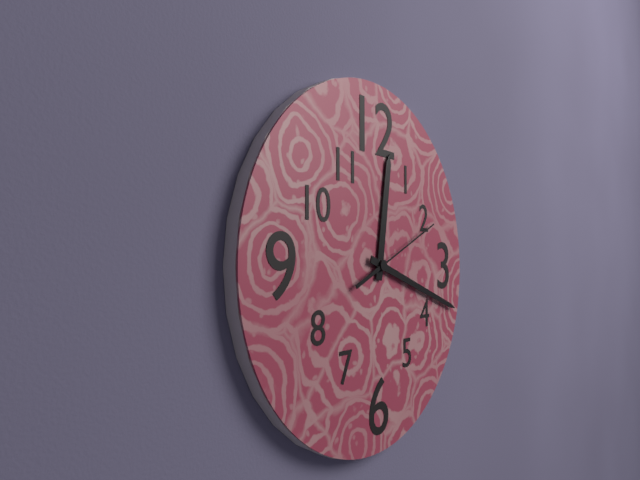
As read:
{"hour": 12, "minute": 18, "second": 11}
